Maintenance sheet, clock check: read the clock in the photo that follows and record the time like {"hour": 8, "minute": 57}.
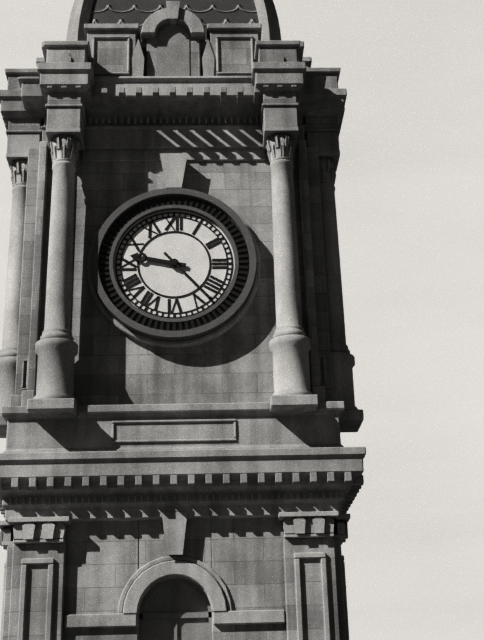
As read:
{"hour": 9, "minute": 23}
